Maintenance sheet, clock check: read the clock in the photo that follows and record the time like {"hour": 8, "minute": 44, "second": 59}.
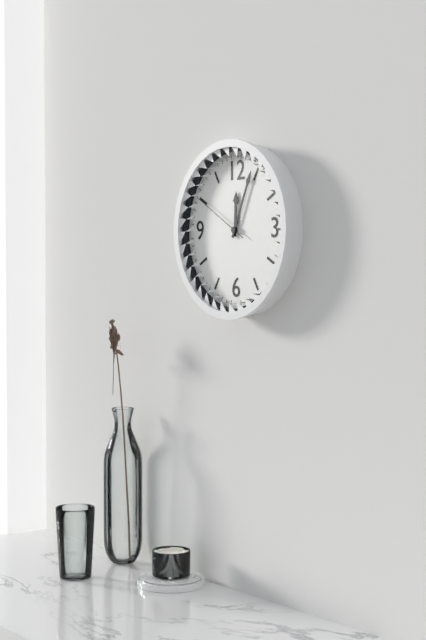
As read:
{"hour": 12, "minute": 4, "second": 50}
